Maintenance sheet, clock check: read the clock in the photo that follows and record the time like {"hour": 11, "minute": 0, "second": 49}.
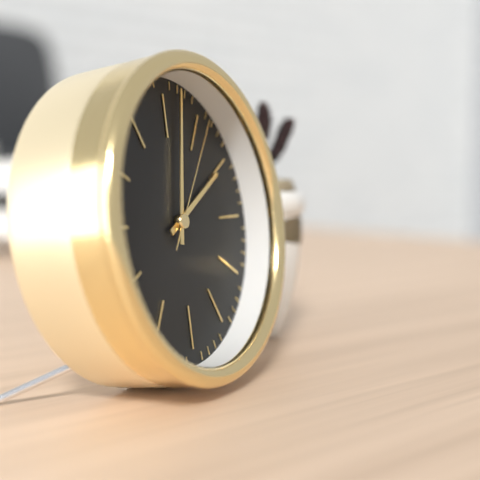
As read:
{"hour": 2, "minute": 2, "second": 6}
